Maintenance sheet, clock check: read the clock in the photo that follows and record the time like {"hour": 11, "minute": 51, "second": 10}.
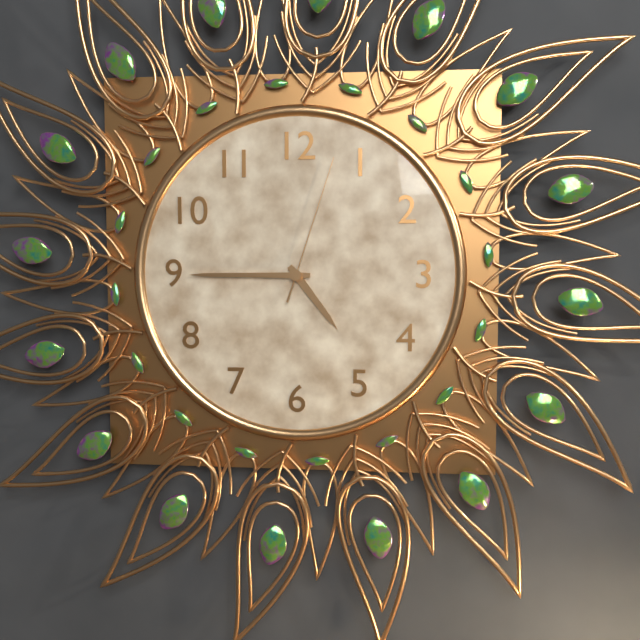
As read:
{"hour": 4, "minute": 45, "second": 3}
